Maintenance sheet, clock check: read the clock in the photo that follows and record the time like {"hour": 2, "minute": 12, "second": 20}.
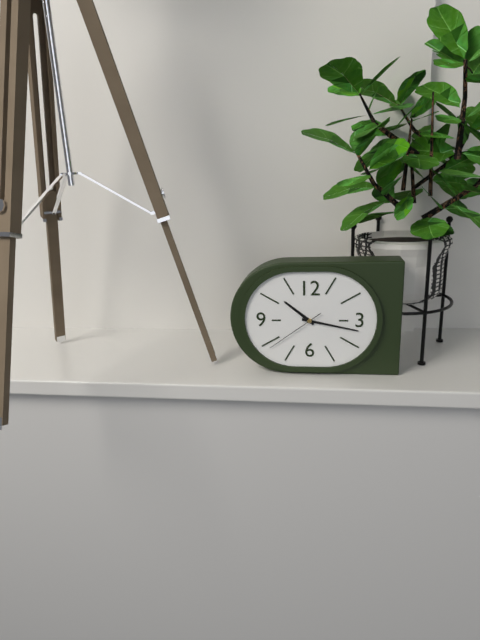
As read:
{"hour": 10, "minute": 17, "second": 39}
